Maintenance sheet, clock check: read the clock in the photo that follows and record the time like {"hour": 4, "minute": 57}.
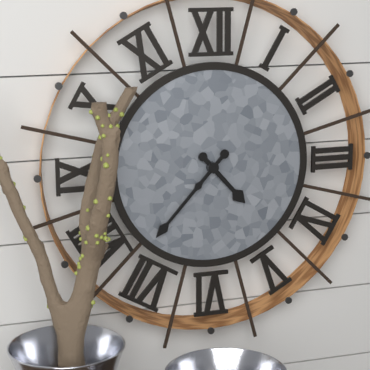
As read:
{"hour": 4, "minute": 37}
